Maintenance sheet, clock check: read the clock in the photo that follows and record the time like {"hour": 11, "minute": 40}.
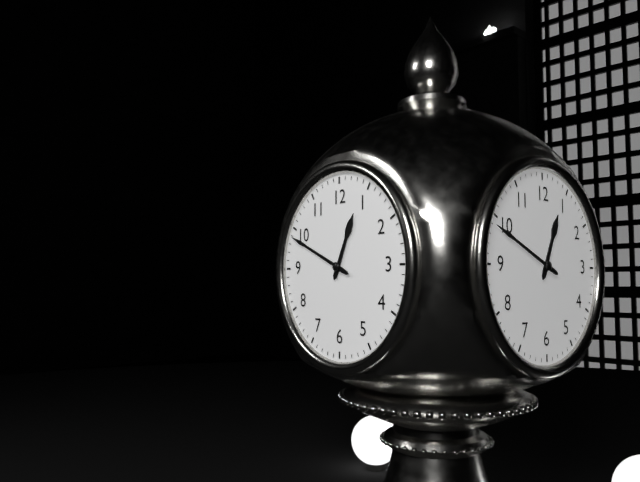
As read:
{"hour": 12, "minute": 49}
